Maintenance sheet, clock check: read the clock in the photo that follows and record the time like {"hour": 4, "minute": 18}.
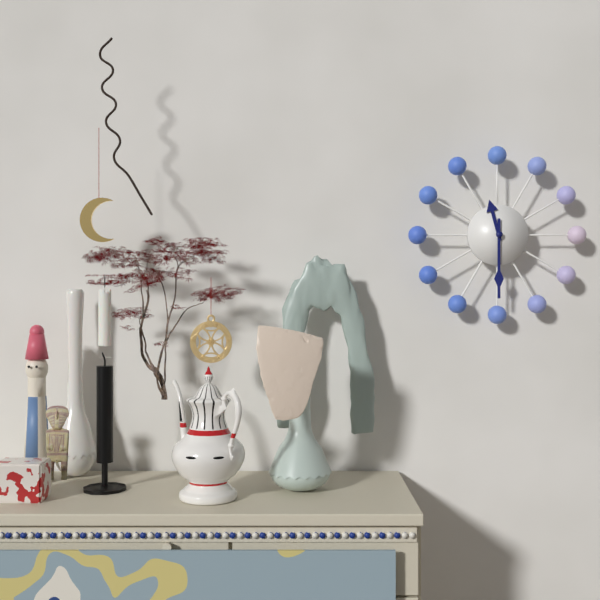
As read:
{"hour": 11, "minute": 30}
